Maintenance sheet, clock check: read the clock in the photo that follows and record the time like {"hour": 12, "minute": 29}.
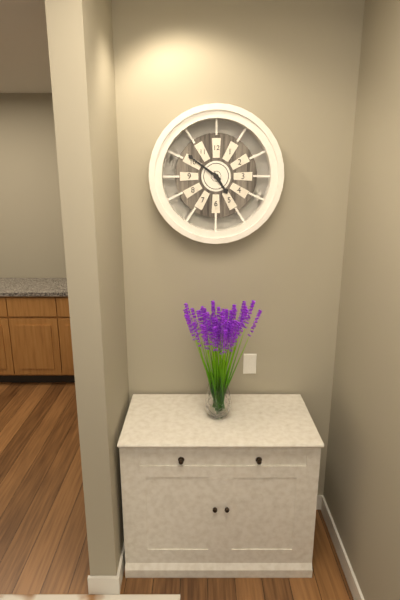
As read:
{"hour": 4, "minute": 51}
